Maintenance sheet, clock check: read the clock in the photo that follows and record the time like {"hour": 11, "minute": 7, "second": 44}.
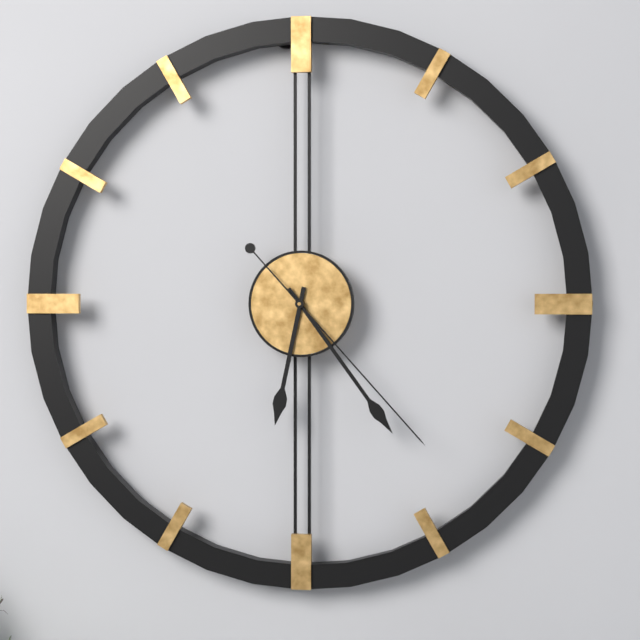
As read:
{"hour": 6, "minute": 24, "second": 23}
